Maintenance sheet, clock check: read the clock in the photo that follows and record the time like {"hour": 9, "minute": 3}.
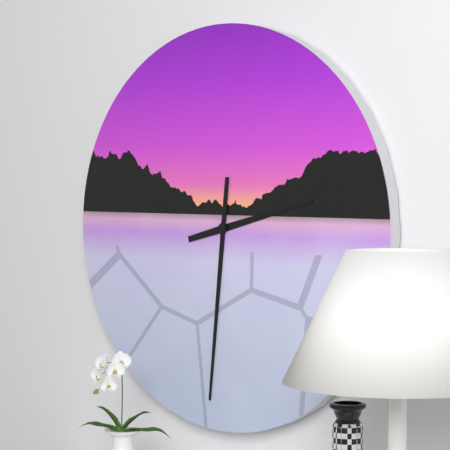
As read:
{"hour": 2, "minute": 31}
